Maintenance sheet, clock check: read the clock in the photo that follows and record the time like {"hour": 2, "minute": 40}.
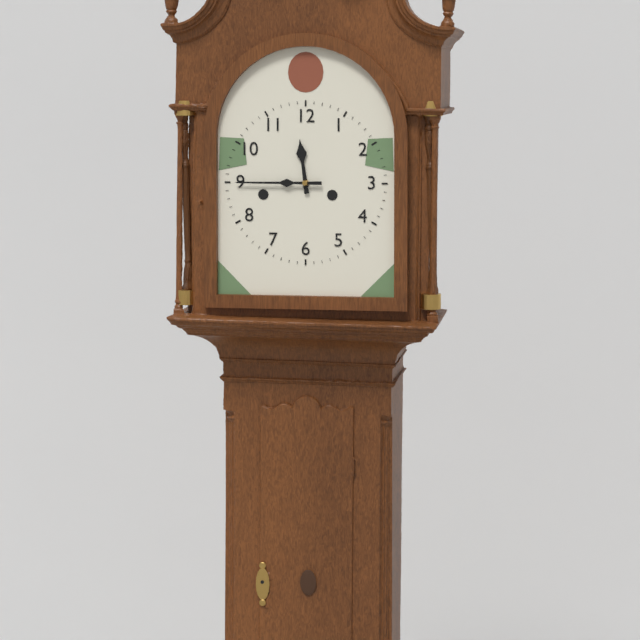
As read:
{"hour": 11, "minute": 45}
